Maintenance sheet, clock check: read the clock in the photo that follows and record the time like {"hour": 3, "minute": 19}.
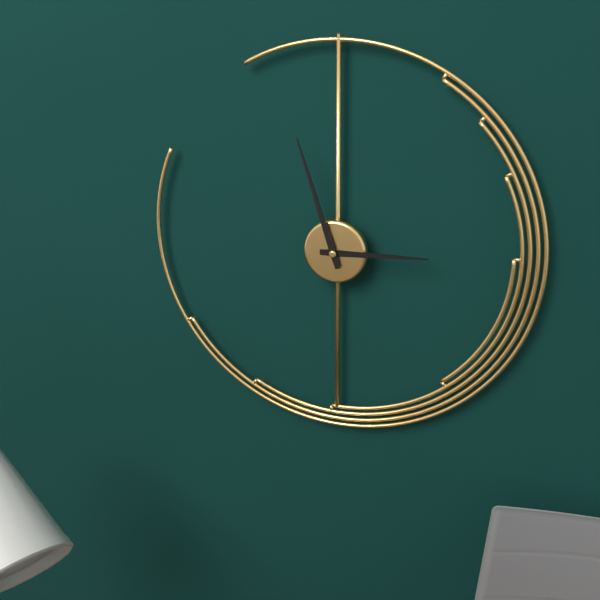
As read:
{"hour": 2, "minute": 57}
